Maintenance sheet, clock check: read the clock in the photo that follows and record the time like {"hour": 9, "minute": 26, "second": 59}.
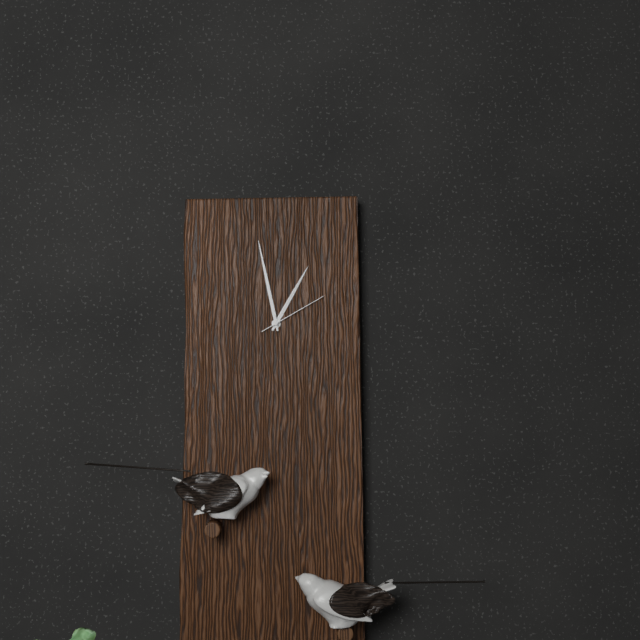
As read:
{"hour": 12, "minute": 58, "second": 10}
